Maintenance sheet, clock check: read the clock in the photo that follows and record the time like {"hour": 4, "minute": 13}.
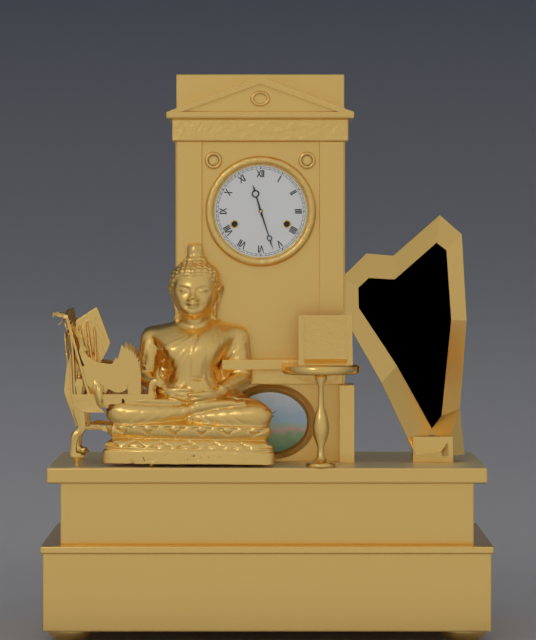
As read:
{"hour": 11, "minute": 27}
